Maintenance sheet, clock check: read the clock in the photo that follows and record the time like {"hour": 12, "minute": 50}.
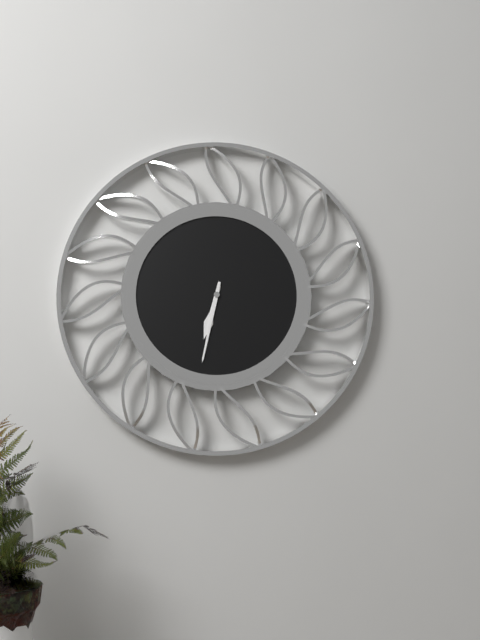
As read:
{"hour": 6, "minute": 32}
